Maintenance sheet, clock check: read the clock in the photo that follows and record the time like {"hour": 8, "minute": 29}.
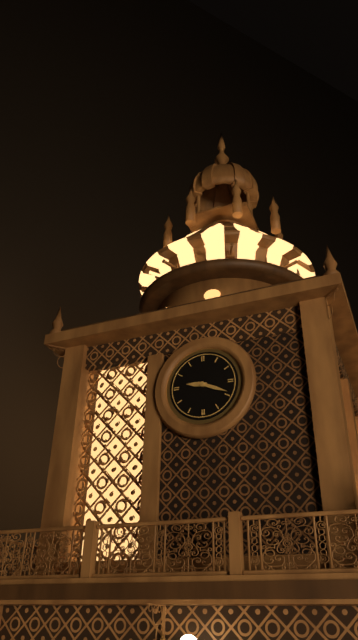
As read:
{"hour": 9, "minute": 19}
